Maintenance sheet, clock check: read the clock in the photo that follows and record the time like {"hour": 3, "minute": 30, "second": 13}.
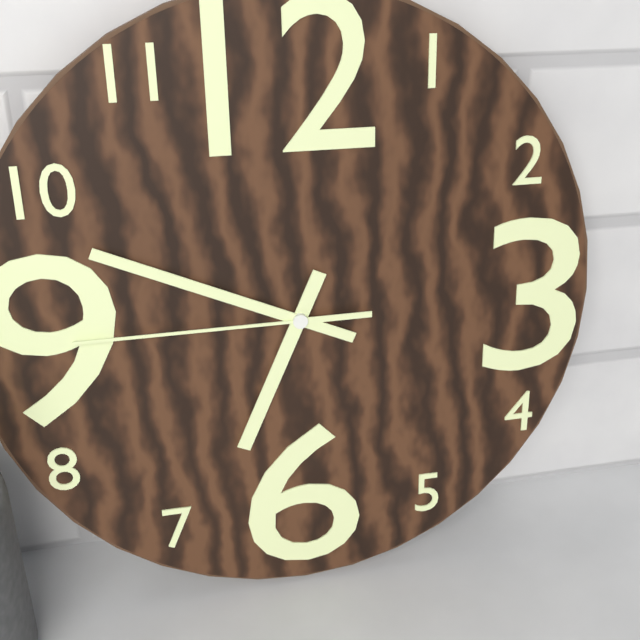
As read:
{"hour": 6, "minute": 49, "second": 45}
